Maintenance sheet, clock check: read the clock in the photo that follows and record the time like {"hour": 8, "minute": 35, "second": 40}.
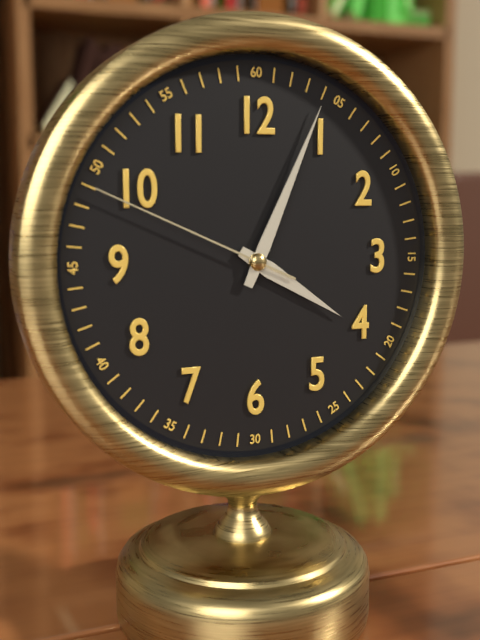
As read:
{"hour": 4, "minute": 4, "second": 49}
